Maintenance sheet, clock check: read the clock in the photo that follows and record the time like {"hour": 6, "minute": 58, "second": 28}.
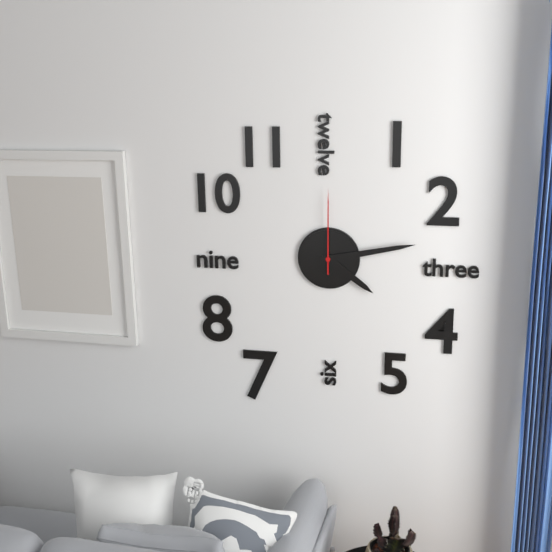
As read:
{"hour": 4, "minute": 13, "second": 0}
